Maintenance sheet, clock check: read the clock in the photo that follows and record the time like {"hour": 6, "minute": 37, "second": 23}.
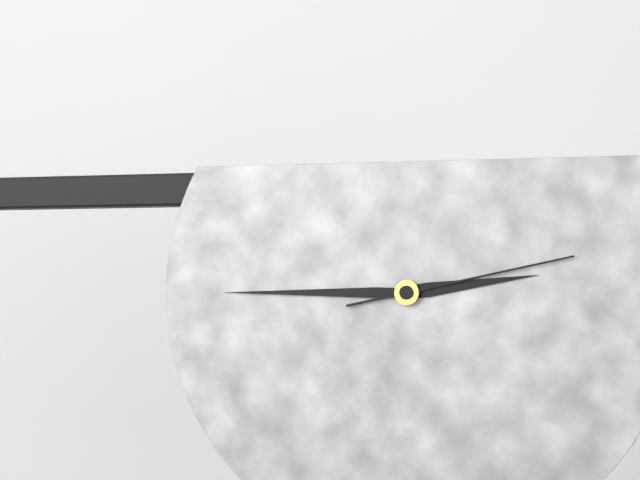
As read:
{"hour": 2, "minute": 45, "second": 13}
